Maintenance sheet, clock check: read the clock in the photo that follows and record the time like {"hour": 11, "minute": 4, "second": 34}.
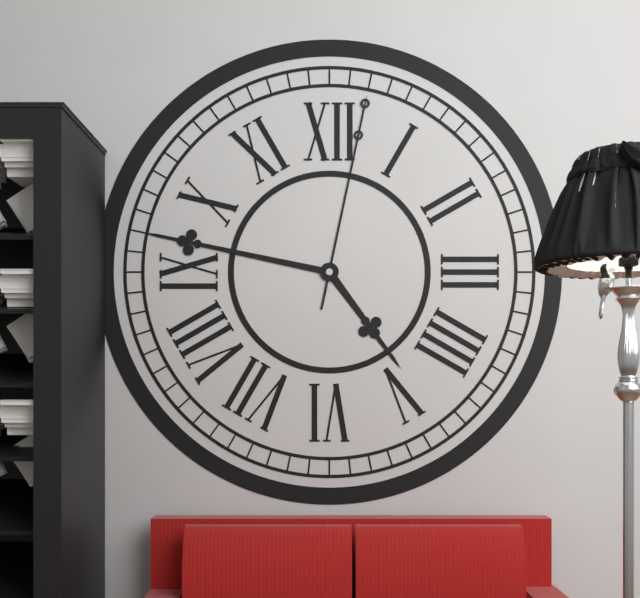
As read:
{"hour": 4, "minute": 47, "second": 2}
